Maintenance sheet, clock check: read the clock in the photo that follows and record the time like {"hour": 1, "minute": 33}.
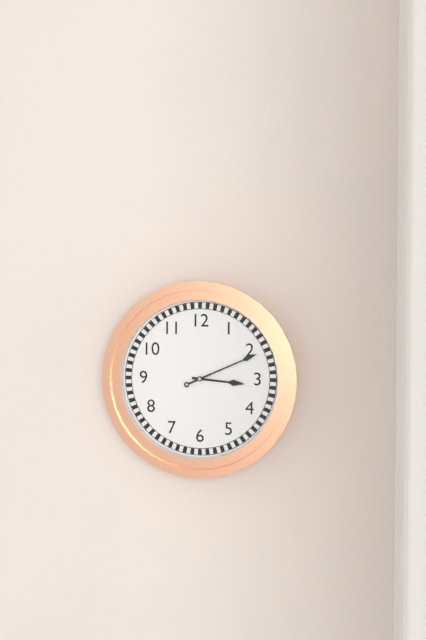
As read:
{"hour": 3, "minute": 11}
